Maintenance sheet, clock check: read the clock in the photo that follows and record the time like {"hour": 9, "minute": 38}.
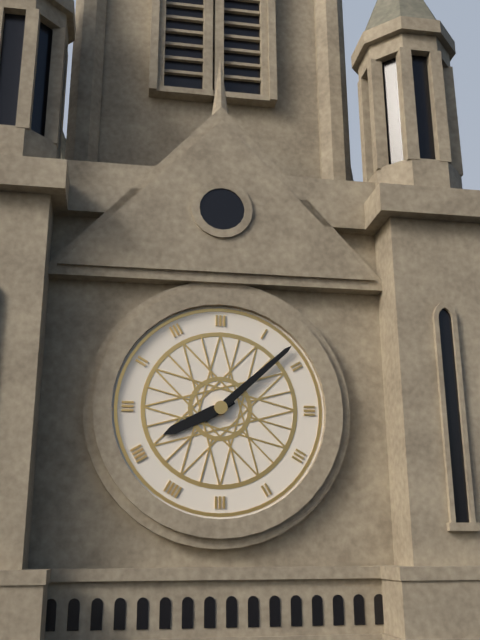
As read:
{"hour": 8, "minute": 8}
